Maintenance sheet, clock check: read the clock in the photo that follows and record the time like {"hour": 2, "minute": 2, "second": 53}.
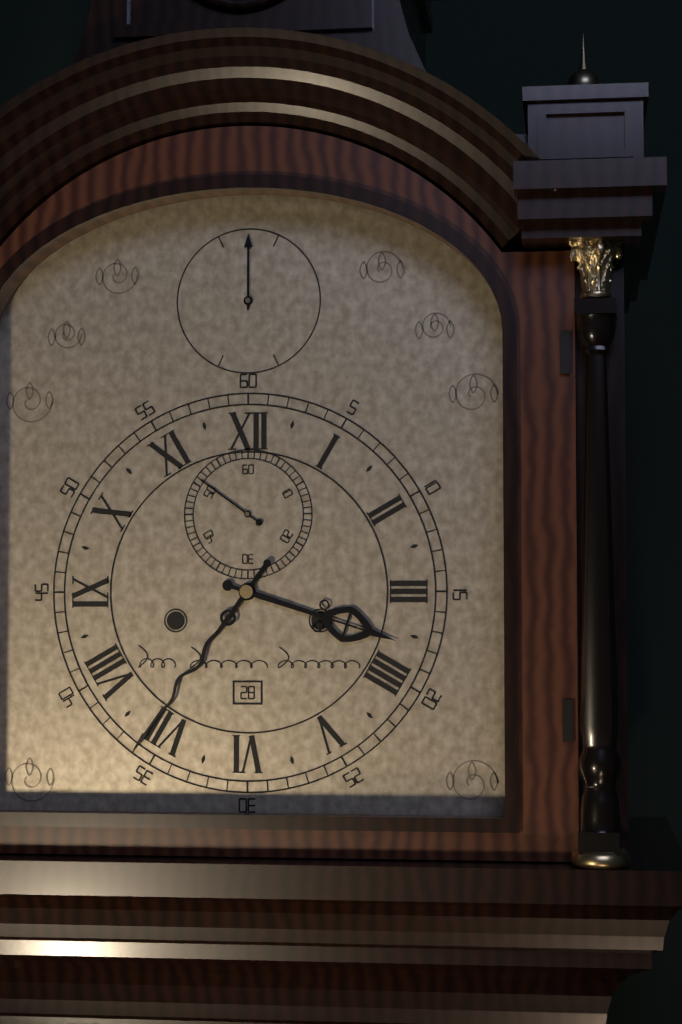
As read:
{"hour": 3, "minute": 36, "second": 51}
